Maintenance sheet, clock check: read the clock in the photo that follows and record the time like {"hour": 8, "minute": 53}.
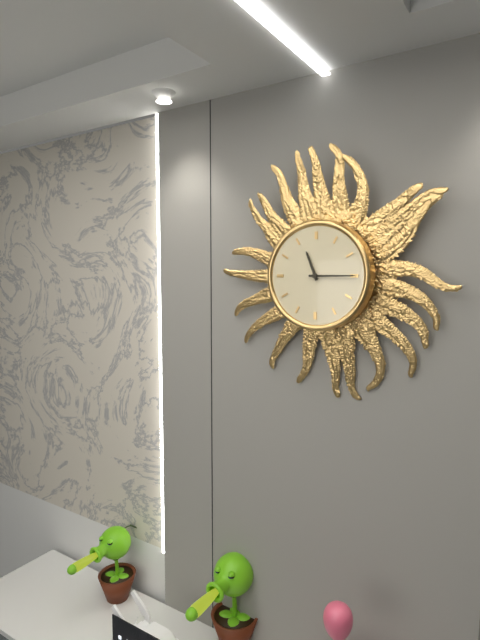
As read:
{"hour": 11, "minute": 15}
